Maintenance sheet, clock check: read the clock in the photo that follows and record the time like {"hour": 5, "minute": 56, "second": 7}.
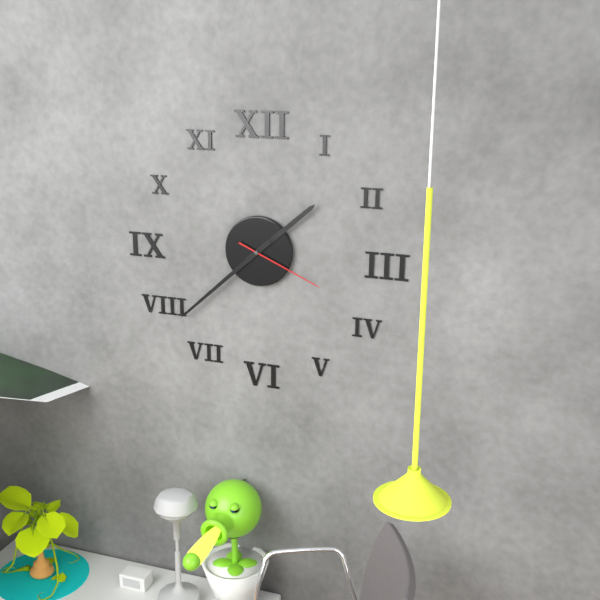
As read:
{"hour": 1, "minute": 38, "second": 19}
